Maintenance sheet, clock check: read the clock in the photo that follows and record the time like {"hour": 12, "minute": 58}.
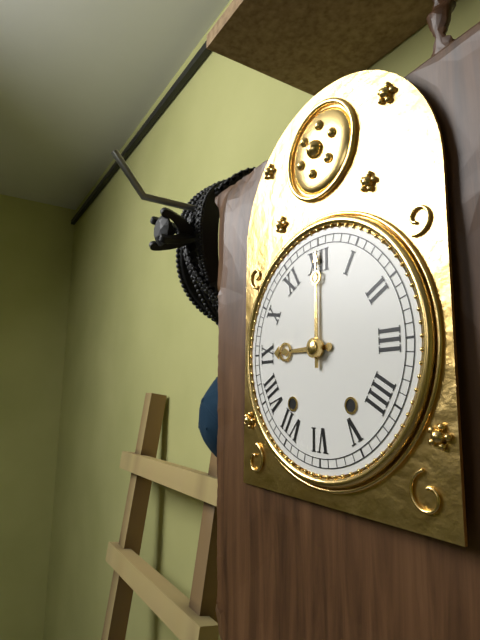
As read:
{"hour": 9, "minute": 0}
